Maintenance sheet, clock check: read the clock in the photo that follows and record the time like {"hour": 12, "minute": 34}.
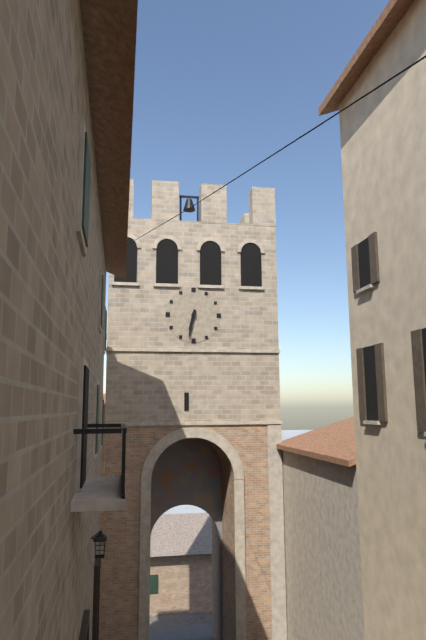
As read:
{"hour": 6, "minute": 32}
